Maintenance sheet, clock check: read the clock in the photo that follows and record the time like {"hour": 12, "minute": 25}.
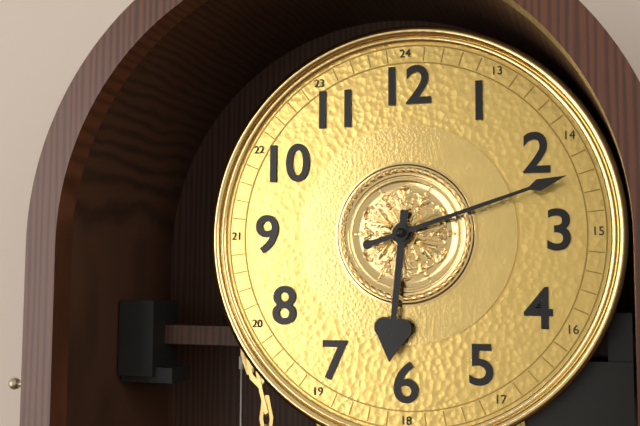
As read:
{"hour": 6, "minute": 12}
